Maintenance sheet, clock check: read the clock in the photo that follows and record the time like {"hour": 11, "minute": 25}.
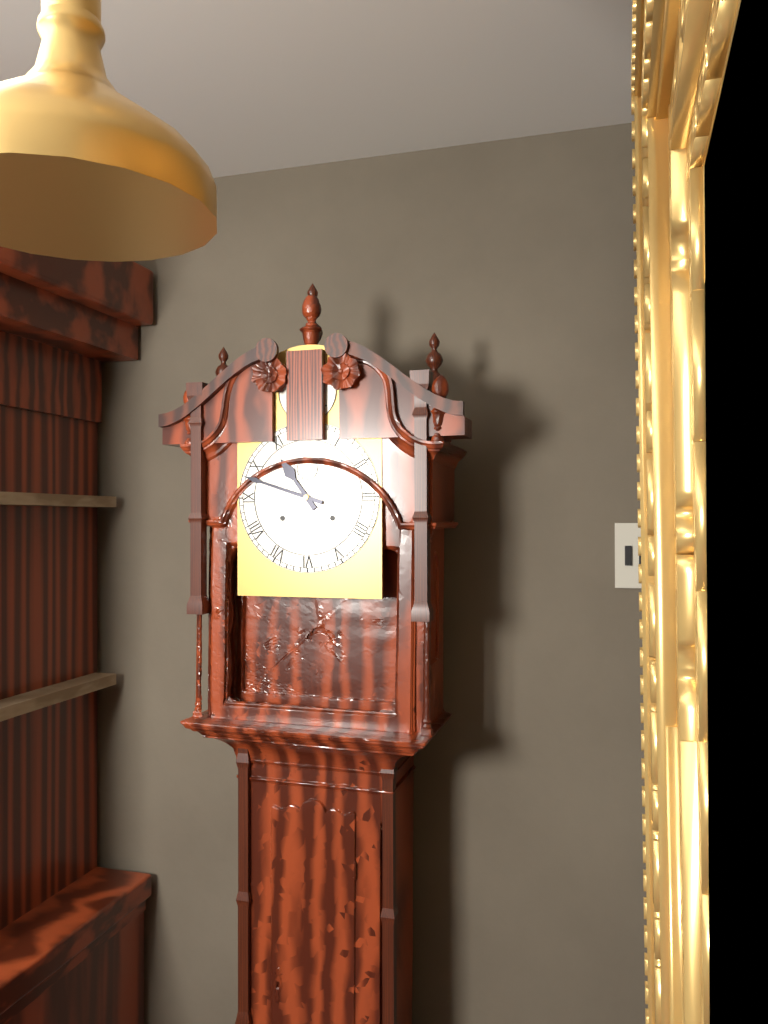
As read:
{"hour": 10, "minute": 48}
